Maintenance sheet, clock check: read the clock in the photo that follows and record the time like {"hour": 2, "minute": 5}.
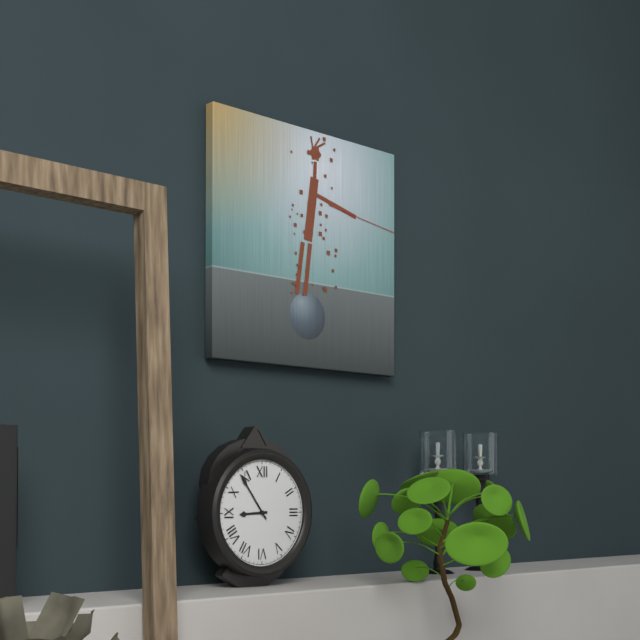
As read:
{"hour": 8, "minute": 54}
